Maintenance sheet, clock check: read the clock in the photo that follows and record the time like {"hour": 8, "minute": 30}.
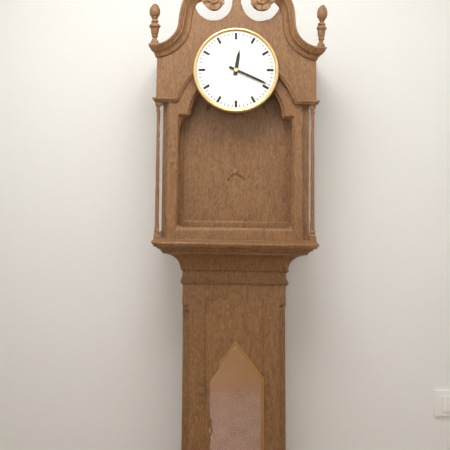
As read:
{"hour": 12, "minute": 19}
